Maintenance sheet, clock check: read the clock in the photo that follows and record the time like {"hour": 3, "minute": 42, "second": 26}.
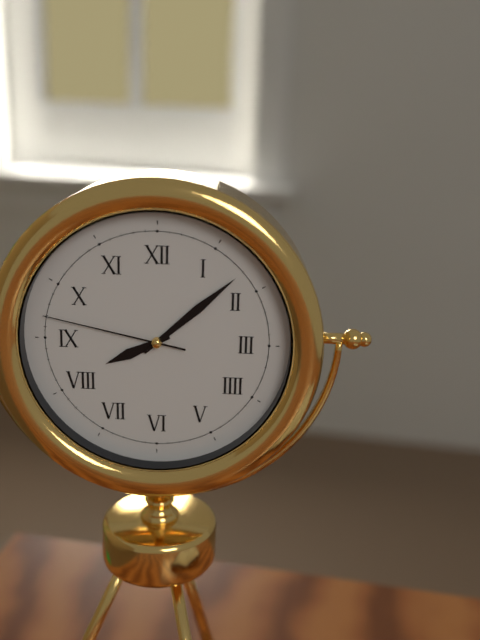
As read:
{"hour": 8, "minute": 8, "second": 47}
